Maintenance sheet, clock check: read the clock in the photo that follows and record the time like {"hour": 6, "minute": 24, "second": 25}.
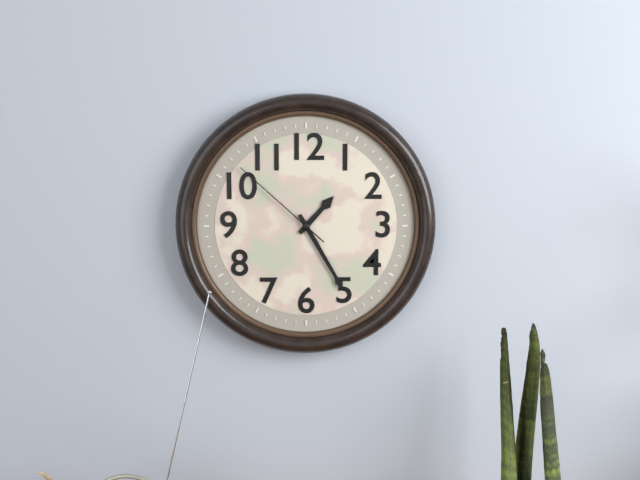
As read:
{"hour": 1, "minute": 25, "second": 52}
